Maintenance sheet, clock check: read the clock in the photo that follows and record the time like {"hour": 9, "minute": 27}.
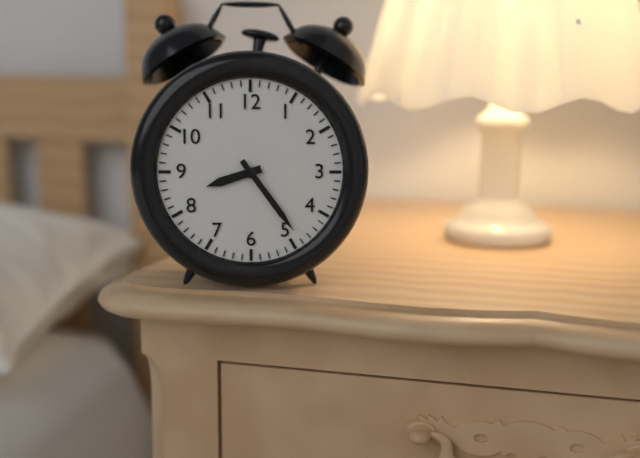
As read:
{"hour": 8, "minute": 24}
